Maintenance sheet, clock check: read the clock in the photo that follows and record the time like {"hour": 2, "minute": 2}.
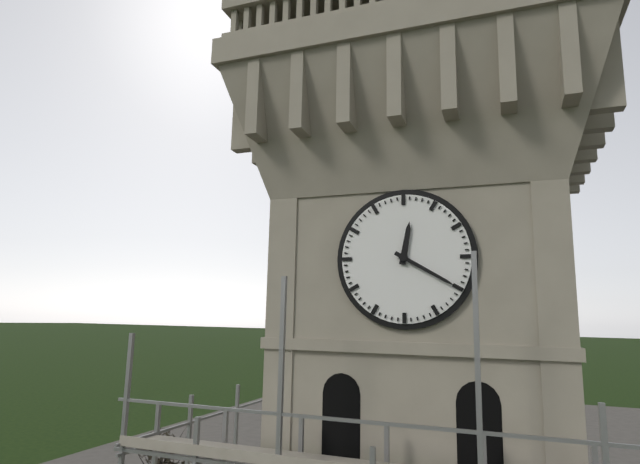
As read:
{"hour": 12, "minute": 20}
